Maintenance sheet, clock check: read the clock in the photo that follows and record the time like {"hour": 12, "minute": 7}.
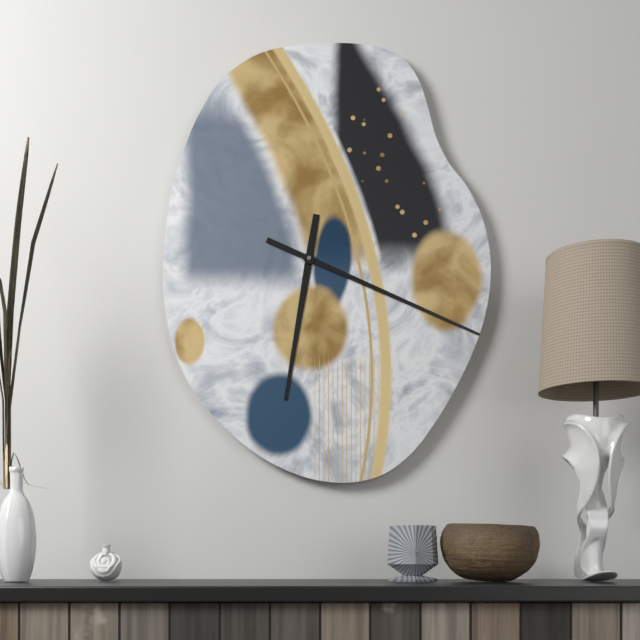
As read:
{"hour": 6, "minute": 19}
